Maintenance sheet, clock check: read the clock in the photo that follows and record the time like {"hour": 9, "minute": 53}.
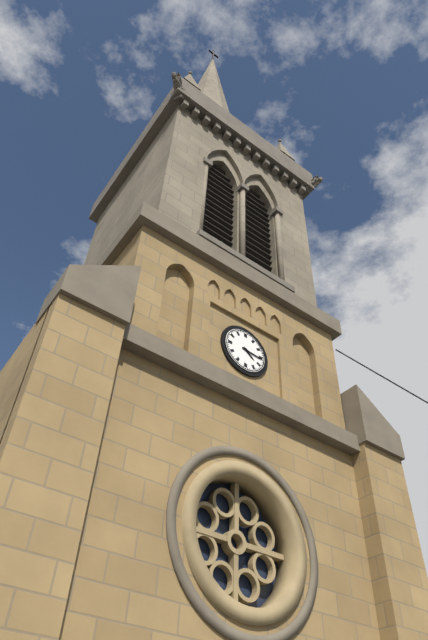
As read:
{"hour": 4, "minute": 16}
